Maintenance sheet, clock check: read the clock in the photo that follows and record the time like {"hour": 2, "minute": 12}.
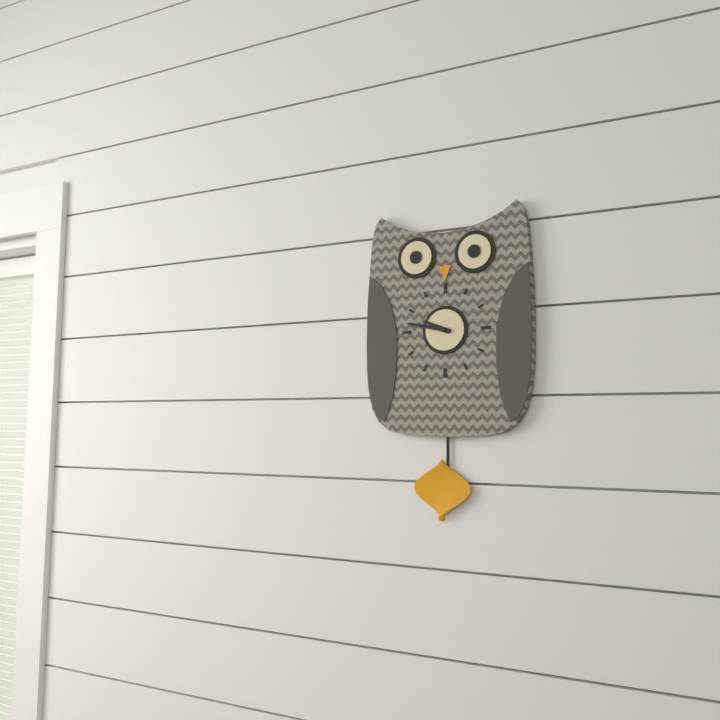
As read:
{"hour": 9, "minute": 47}
